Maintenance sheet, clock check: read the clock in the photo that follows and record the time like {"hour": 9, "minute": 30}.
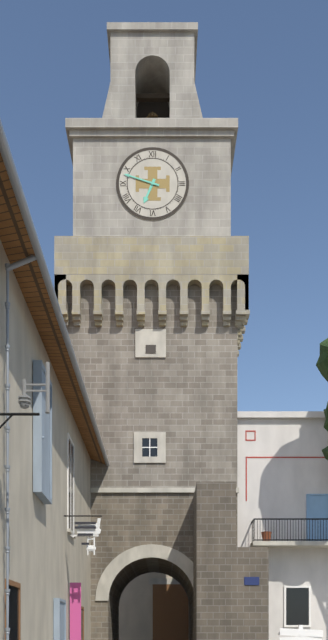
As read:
{"hour": 6, "minute": 48}
